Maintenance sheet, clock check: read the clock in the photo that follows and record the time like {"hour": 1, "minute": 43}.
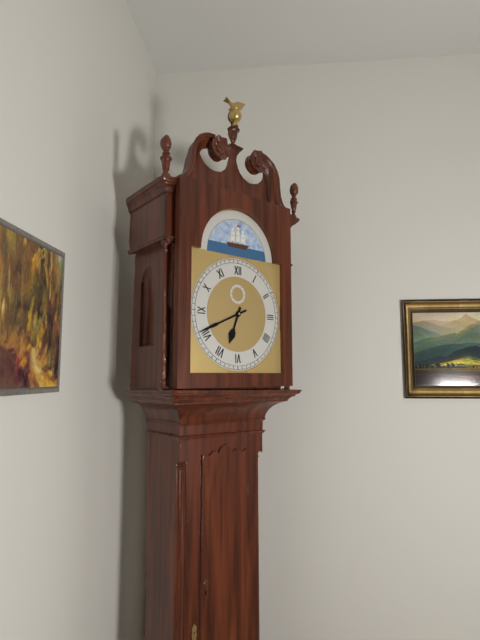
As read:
{"hour": 6, "minute": 41}
